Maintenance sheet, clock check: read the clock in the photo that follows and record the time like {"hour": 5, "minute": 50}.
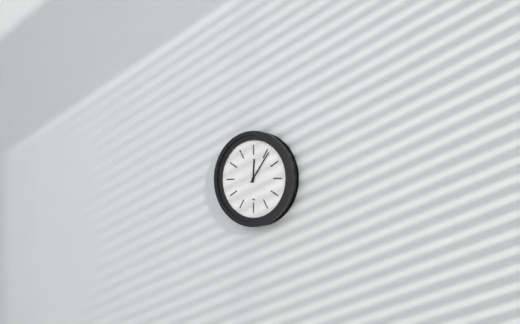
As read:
{"hour": 12, "minute": 6}
